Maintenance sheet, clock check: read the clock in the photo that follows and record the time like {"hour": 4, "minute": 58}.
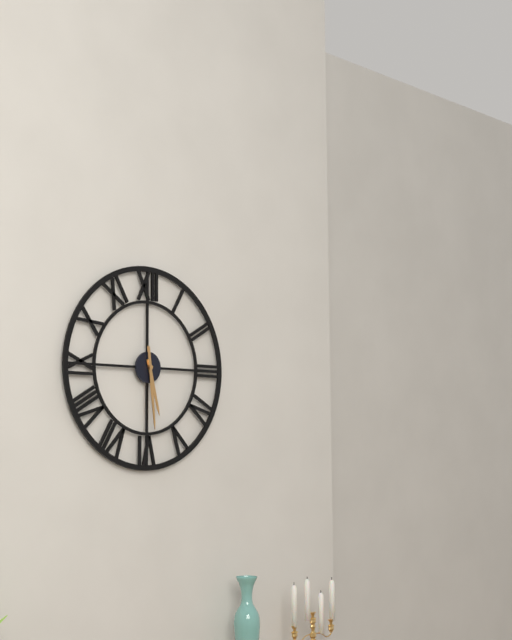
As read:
{"hour": 5, "minute": 29}
